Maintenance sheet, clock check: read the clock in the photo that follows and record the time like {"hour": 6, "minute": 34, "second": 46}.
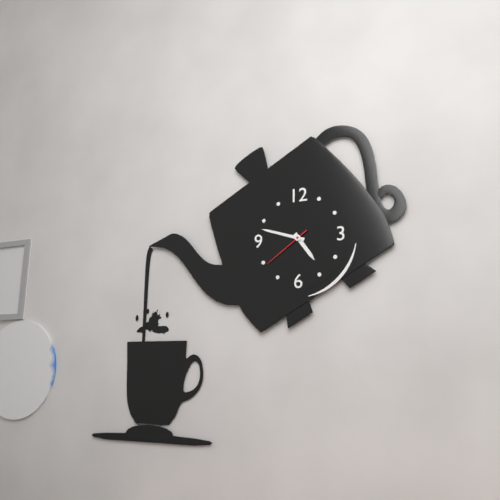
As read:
{"hour": 4, "minute": 48, "second": 39}
